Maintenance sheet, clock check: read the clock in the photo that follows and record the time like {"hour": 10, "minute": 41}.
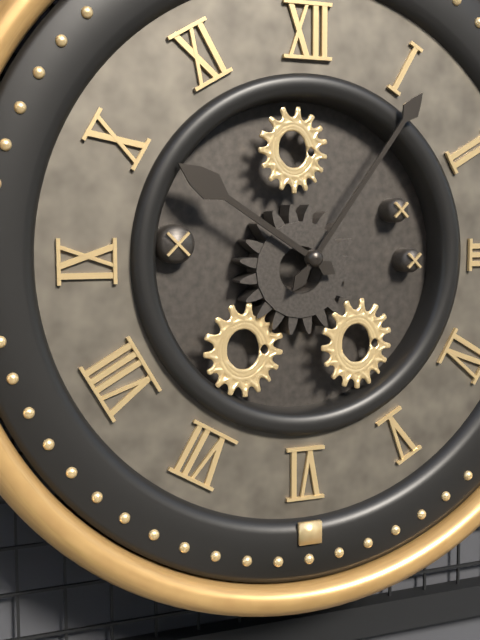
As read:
{"hour": 10, "minute": 6}
